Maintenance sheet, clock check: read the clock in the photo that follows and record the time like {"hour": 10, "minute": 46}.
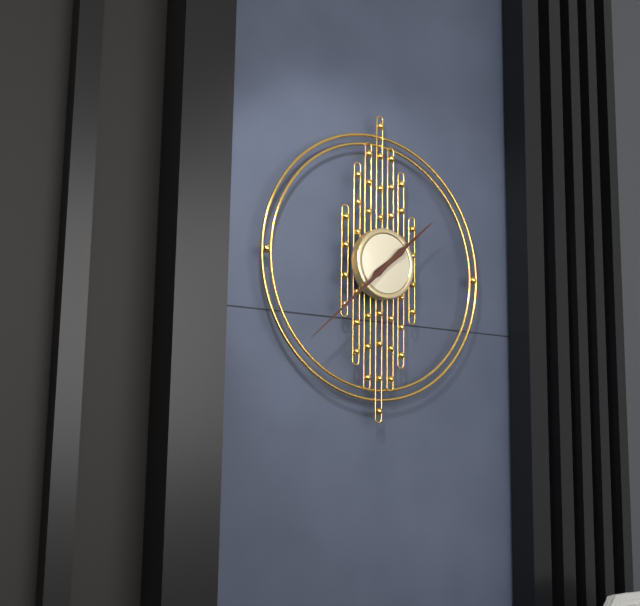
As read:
{"hour": 1, "minute": 38}
